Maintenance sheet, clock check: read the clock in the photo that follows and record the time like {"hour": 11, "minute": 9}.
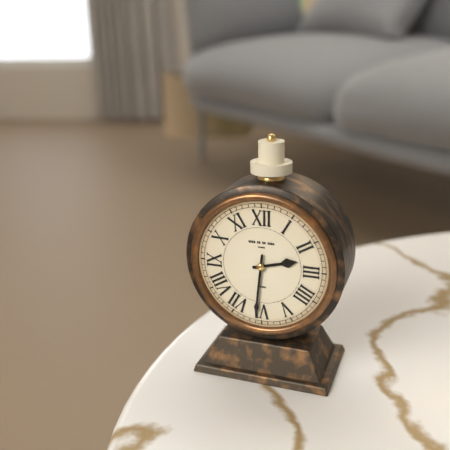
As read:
{"hour": 2, "minute": 31}
